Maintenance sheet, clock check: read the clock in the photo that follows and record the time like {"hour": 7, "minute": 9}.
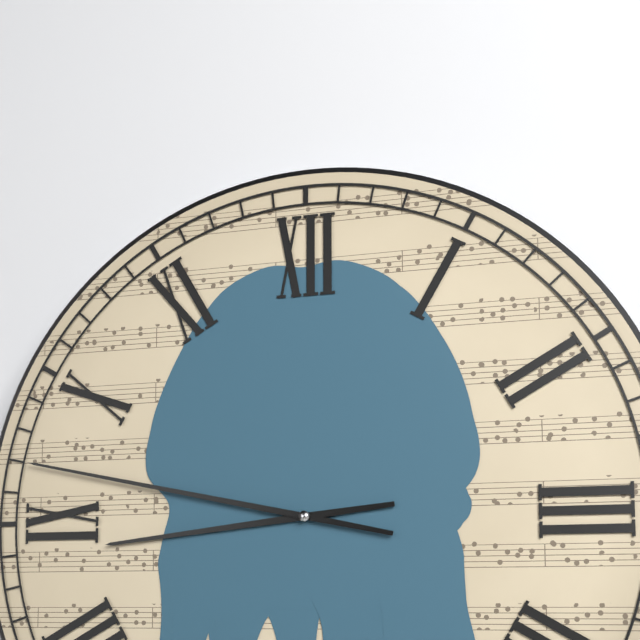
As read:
{"hour": 8, "minute": 47}
